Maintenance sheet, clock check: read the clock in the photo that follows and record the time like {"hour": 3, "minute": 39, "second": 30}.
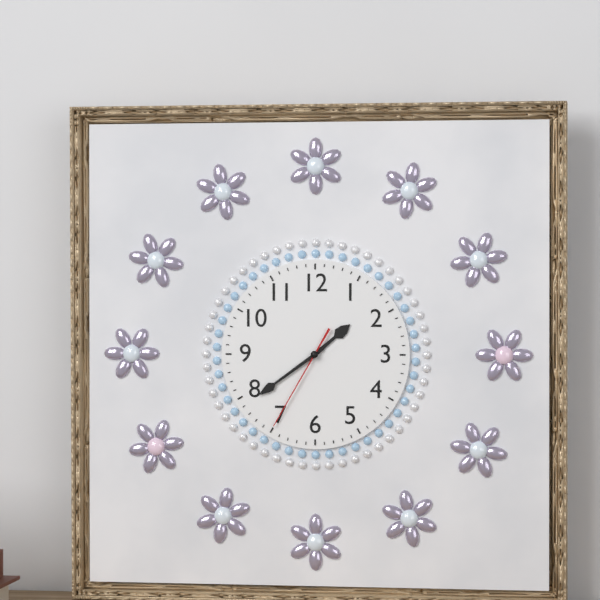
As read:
{"hour": 1, "minute": 39, "second": 35}
